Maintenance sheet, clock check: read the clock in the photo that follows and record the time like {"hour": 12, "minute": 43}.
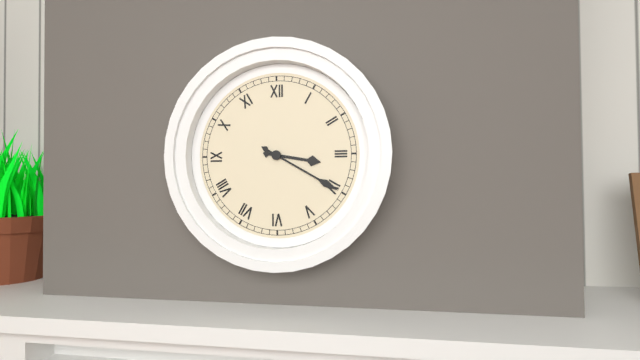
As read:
{"hour": 3, "minute": 20}
